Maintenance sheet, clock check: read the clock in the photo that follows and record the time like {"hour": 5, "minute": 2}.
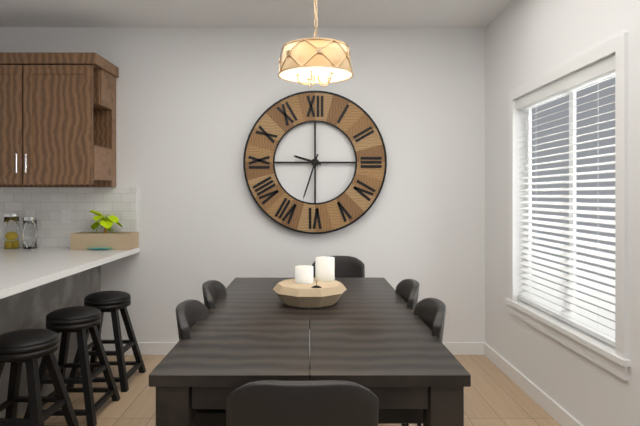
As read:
{"hour": 9, "minute": 33}
